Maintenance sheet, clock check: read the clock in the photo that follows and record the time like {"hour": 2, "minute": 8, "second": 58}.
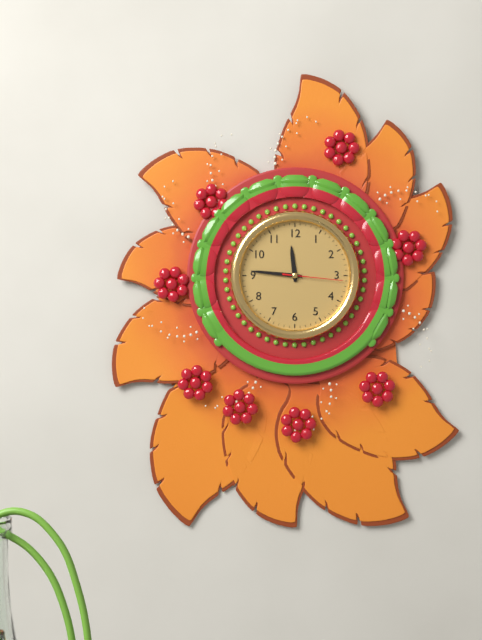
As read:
{"hour": 11, "minute": 46, "second": 16}
